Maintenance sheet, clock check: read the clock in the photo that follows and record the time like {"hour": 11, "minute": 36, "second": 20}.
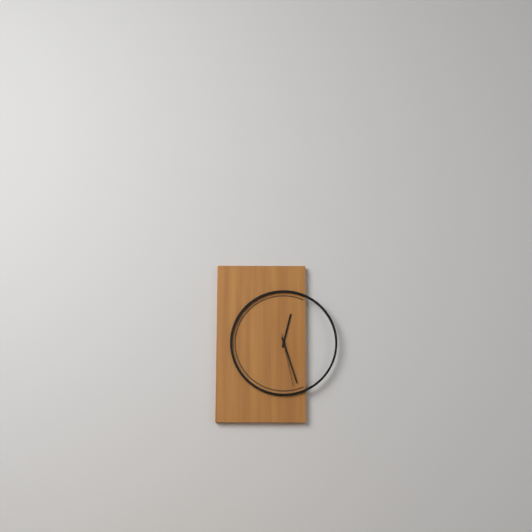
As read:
{"hour": 12, "minute": 27, "second": 28}
